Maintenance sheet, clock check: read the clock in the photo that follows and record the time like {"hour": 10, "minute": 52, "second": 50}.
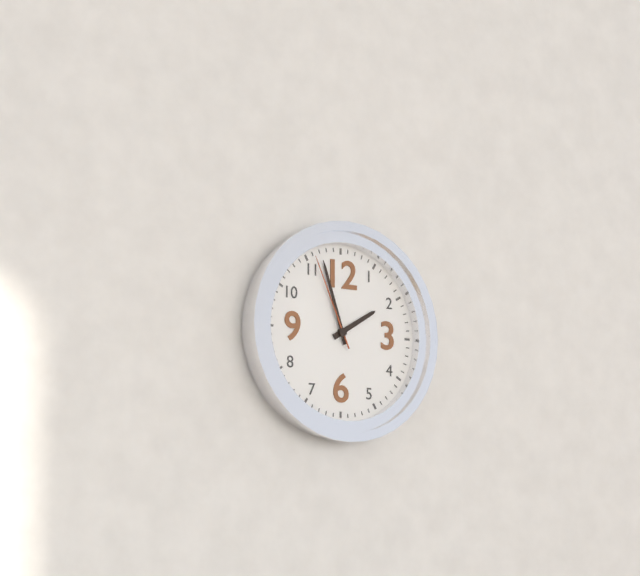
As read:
{"hour": 1, "minute": 57, "second": 56}
